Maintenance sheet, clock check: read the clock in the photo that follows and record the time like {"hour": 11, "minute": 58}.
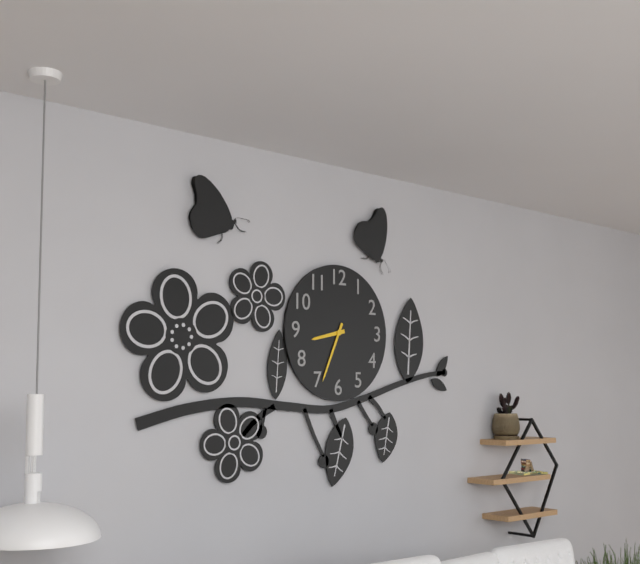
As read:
{"hour": 8, "minute": 34}
